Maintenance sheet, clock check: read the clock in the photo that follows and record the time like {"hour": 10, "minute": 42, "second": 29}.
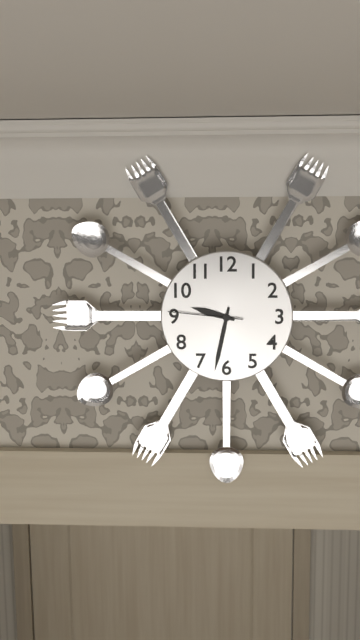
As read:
{"hour": 9, "minute": 32, "second": 46}
